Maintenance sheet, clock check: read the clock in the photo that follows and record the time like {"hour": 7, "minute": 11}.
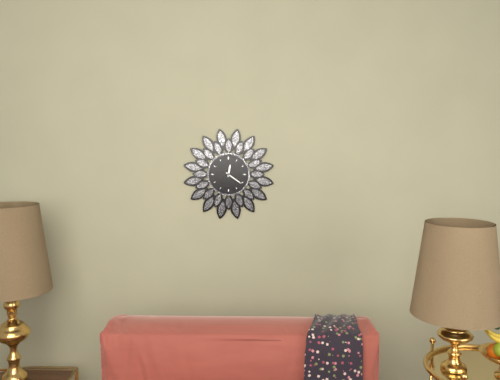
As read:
{"hour": 12, "minute": 21}
